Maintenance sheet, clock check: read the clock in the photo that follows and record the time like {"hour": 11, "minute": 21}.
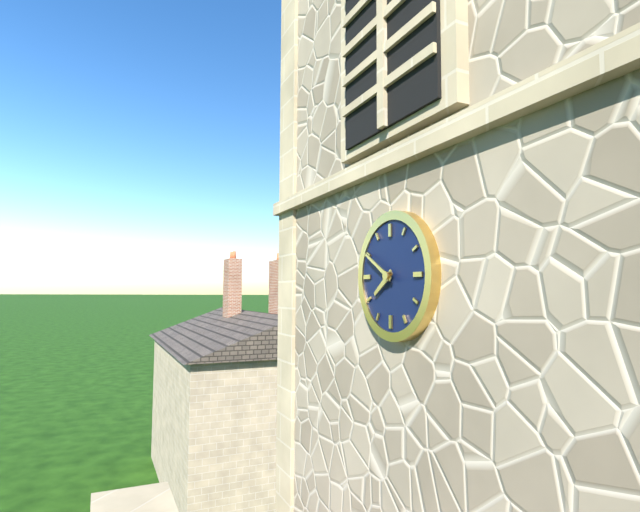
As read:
{"hour": 7, "minute": 50}
